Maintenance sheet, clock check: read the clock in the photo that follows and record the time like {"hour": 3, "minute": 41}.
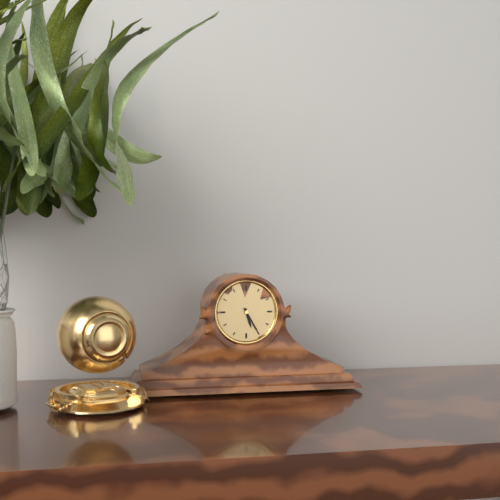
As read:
{"hour": 5, "minute": 25}
